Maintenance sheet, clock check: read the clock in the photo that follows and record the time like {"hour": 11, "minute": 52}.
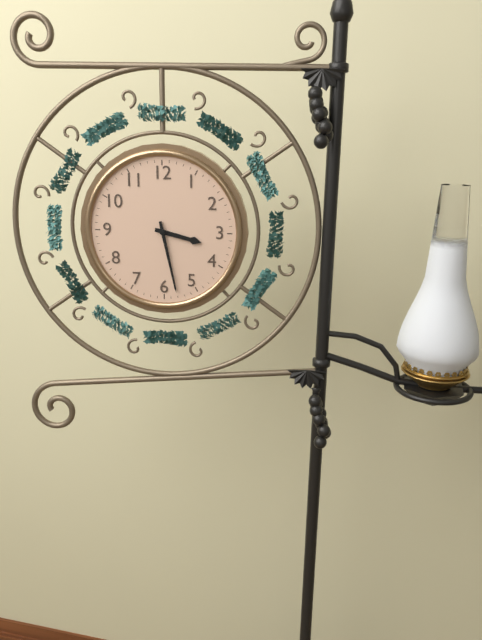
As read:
{"hour": 3, "minute": 28}
